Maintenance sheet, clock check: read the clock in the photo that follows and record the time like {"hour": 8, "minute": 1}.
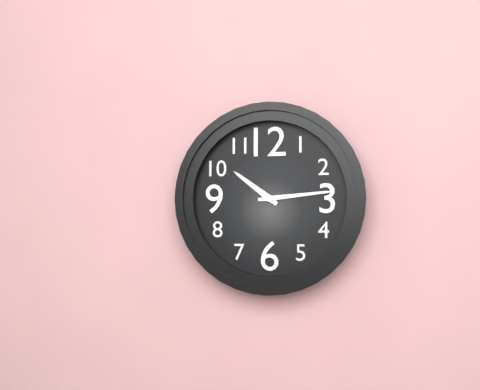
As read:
{"hour": 10, "minute": 14}
